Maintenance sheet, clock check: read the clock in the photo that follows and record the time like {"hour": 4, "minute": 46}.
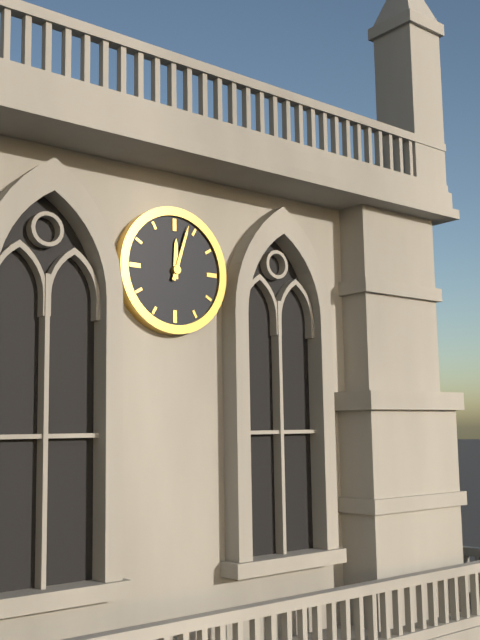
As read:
{"hour": 12, "minute": 3}
